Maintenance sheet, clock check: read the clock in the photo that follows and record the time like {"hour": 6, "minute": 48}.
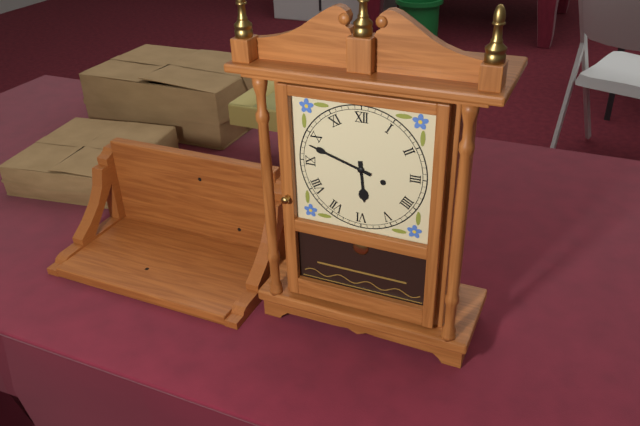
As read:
{"hour": 5, "minute": 48}
